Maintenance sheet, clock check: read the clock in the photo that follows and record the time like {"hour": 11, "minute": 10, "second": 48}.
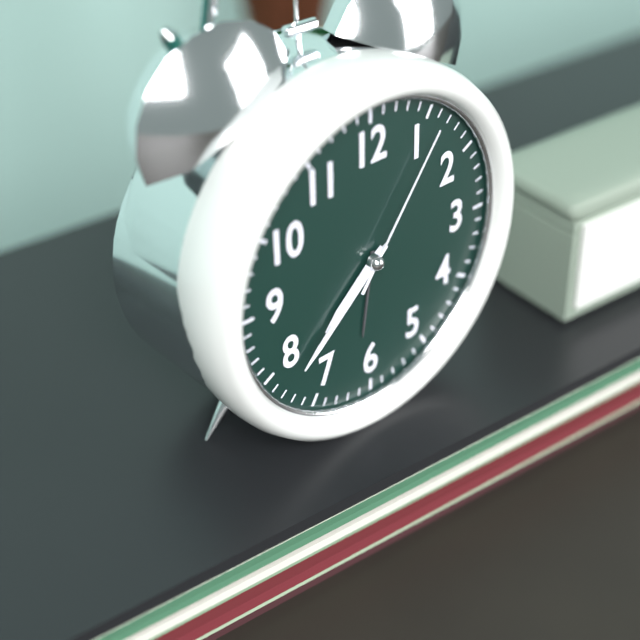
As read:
{"hour": 7, "minute": 38, "second": 6}
